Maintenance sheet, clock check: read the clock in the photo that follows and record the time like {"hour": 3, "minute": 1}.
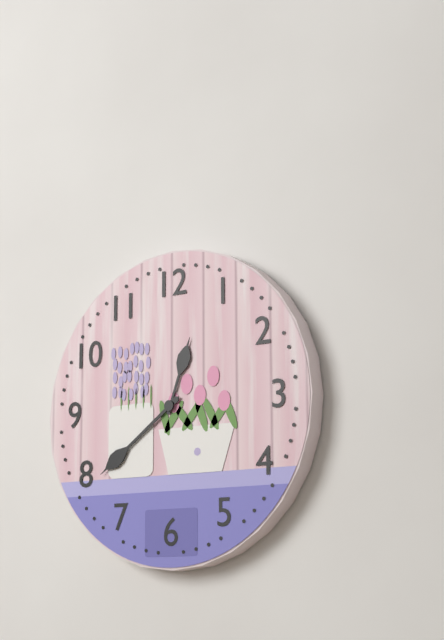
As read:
{"hour": 12, "minute": 39}
